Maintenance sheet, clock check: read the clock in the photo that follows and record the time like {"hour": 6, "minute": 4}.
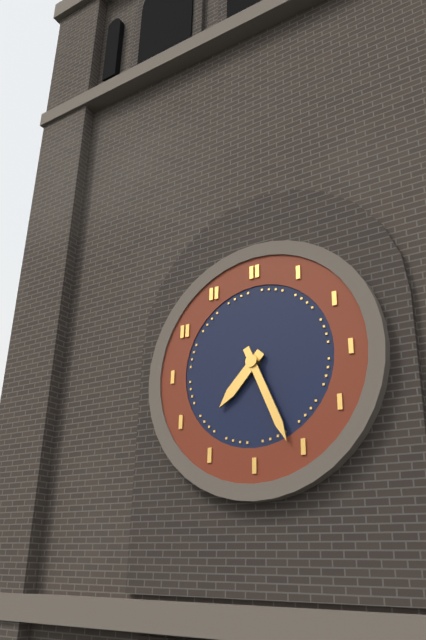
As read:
{"hour": 7, "minute": 26}
